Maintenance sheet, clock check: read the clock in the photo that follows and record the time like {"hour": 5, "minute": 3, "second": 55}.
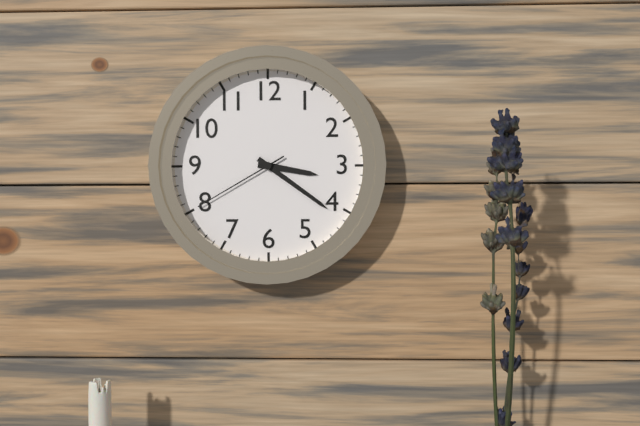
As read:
{"hour": 3, "minute": 21, "second": 40}
